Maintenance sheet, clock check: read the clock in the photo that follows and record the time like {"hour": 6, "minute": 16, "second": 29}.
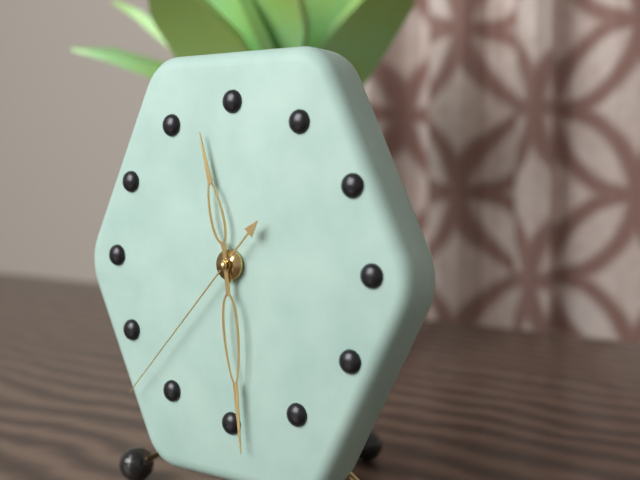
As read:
{"hour": 11, "minute": 29, "second": 37}
